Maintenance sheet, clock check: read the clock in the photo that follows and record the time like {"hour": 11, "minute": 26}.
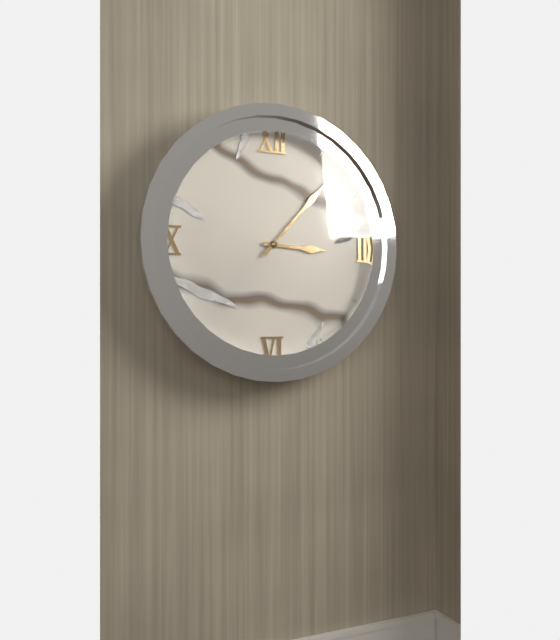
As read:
{"hour": 3, "minute": 7}
